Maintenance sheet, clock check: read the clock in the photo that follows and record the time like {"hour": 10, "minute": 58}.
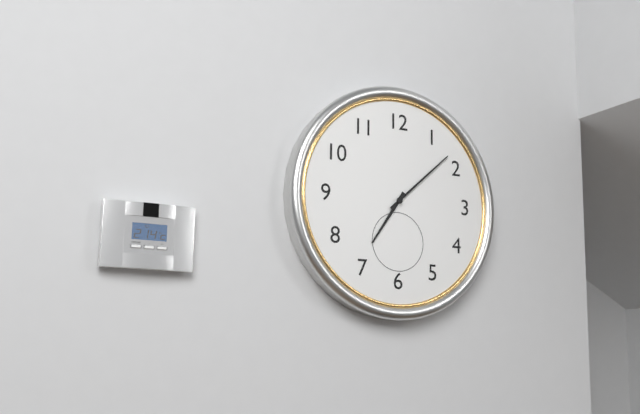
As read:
{"hour": 7, "minute": 8}
